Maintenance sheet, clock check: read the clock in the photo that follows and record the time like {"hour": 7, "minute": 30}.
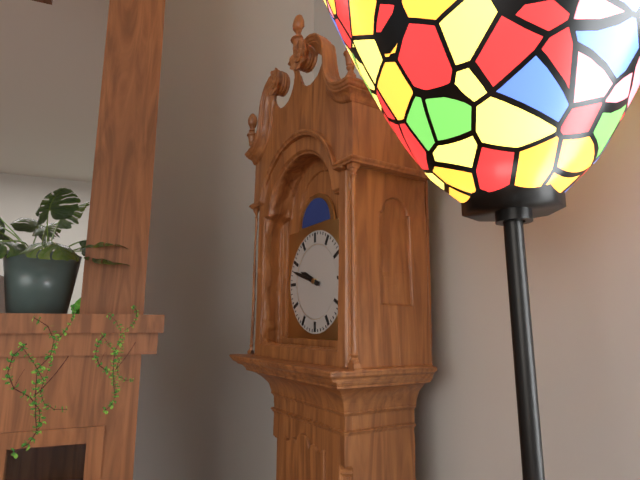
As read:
{"hour": 9, "minute": 48}
